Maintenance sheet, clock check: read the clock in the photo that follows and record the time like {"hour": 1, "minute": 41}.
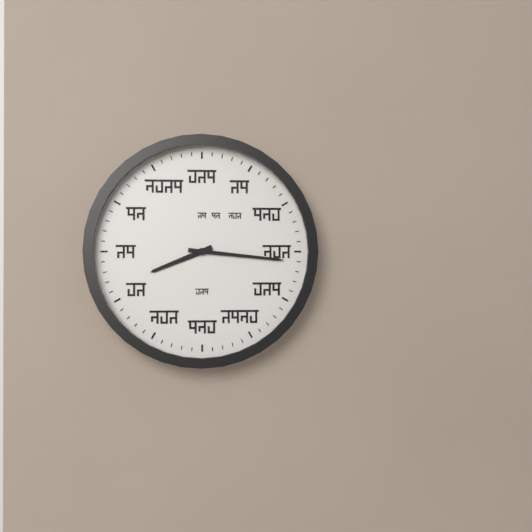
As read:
{"hour": 8, "minute": 16}
